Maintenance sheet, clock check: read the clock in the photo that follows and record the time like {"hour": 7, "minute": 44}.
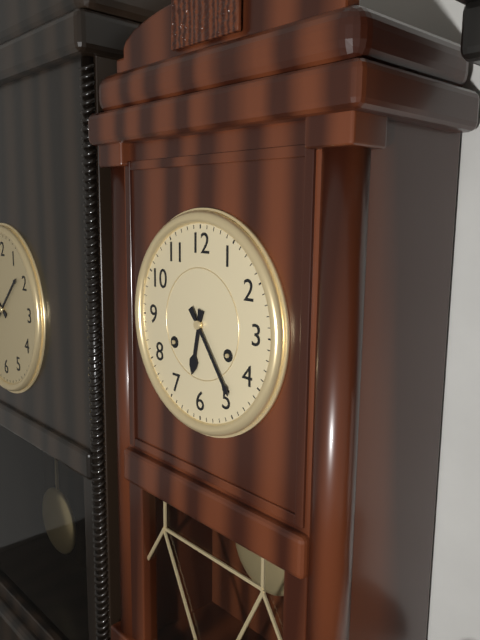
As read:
{"hour": 6, "minute": 24}
